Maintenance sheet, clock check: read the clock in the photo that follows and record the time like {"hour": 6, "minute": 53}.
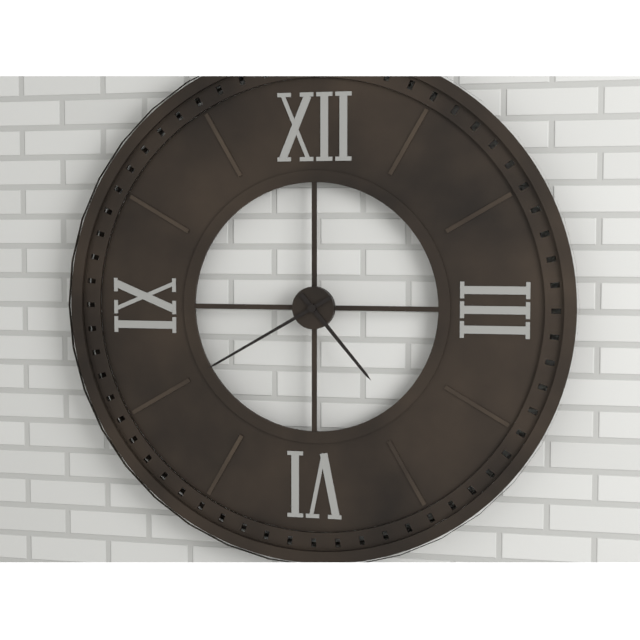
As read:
{"hour": 4, "minute": 40}
